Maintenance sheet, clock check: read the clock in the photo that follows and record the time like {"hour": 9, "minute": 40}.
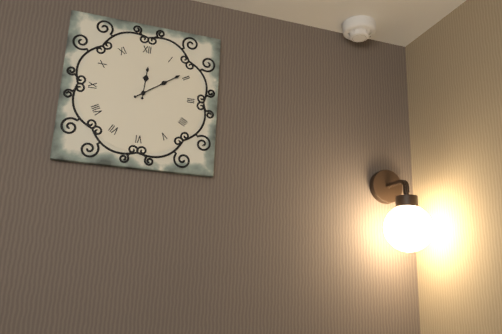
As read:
{"hour": 12, "minute": 9}
